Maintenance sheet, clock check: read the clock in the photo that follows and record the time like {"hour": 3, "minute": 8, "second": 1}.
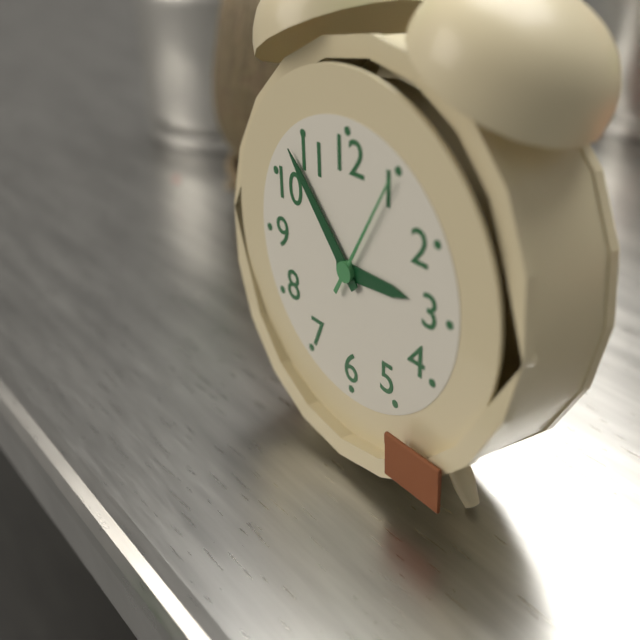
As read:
{"hour": 2, "minute": 53, "second": 5}
